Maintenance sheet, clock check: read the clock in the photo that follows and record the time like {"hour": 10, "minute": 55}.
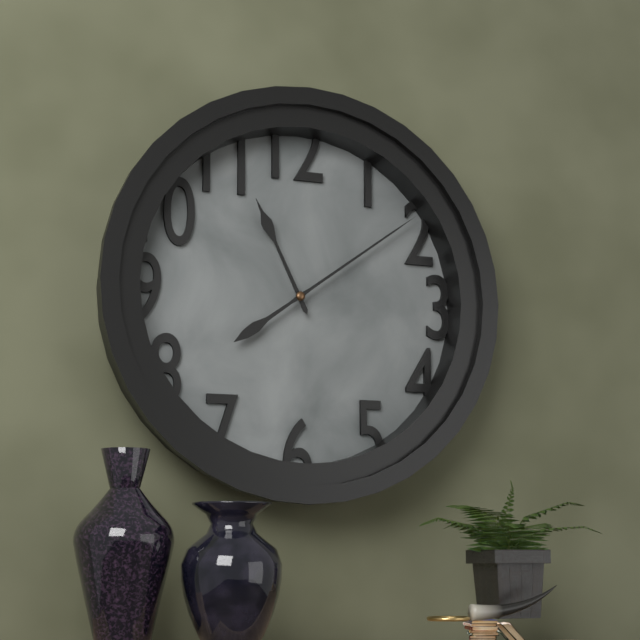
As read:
{"hour": 11, "minute": 9}
